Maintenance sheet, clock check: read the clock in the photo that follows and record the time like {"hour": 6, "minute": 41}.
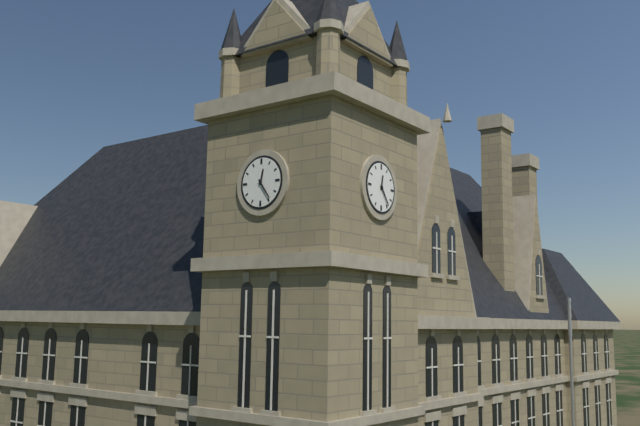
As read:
{"hour": 12, "minute": 24}
